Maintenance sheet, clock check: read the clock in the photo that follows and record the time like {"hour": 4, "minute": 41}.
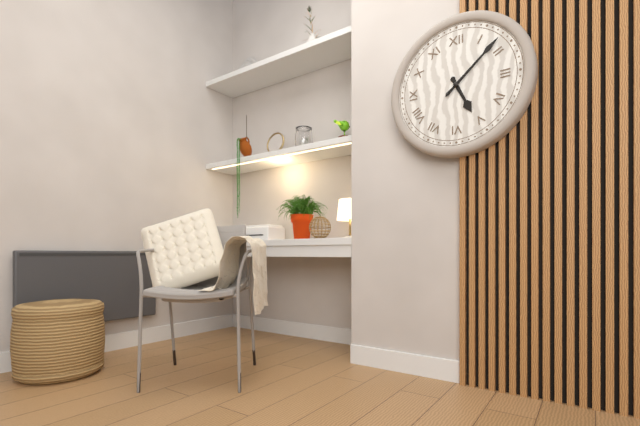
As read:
{"hour": 5, "minute": 8}
